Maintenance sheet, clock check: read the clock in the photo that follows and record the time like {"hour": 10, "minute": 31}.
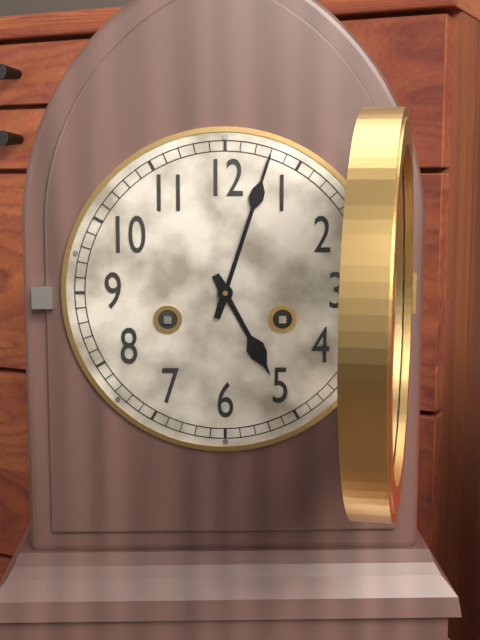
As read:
{"hour": 5, "minute": 3}
